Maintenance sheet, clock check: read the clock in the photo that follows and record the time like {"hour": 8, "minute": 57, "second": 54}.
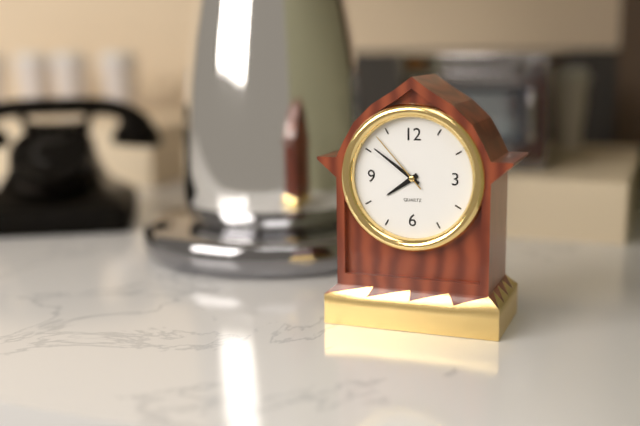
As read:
{"hour": 7, "minute": 51, "second": 53}
